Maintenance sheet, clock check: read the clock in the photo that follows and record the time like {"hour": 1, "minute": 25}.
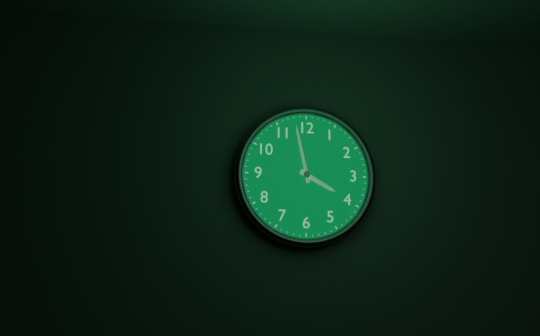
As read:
{"hour": 3, "minute": 58}
